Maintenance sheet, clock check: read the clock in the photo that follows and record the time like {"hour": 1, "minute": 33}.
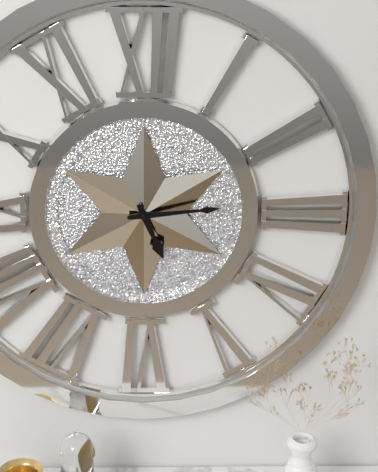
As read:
{"hour": 5, "minute": 14}
